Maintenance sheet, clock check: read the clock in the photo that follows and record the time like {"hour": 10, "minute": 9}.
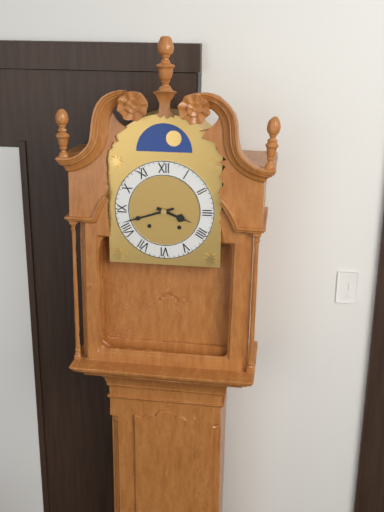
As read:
{"hour": 3, "minute": 42}
